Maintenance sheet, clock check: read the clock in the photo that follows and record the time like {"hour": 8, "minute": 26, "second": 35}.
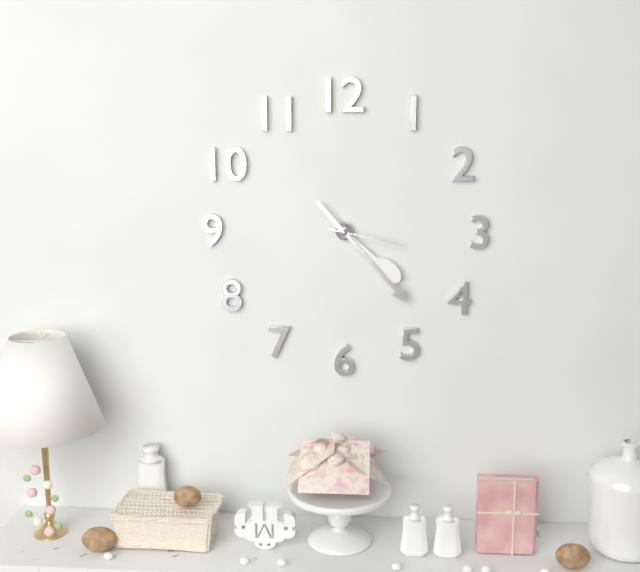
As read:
{"hour": 4, "minute": 23, "second": 17}
